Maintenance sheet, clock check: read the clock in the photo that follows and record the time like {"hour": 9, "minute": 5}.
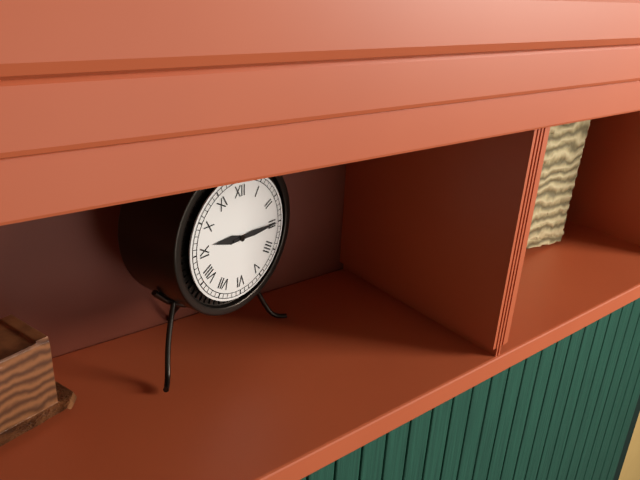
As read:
{"hour": 9, "minute": 15}
